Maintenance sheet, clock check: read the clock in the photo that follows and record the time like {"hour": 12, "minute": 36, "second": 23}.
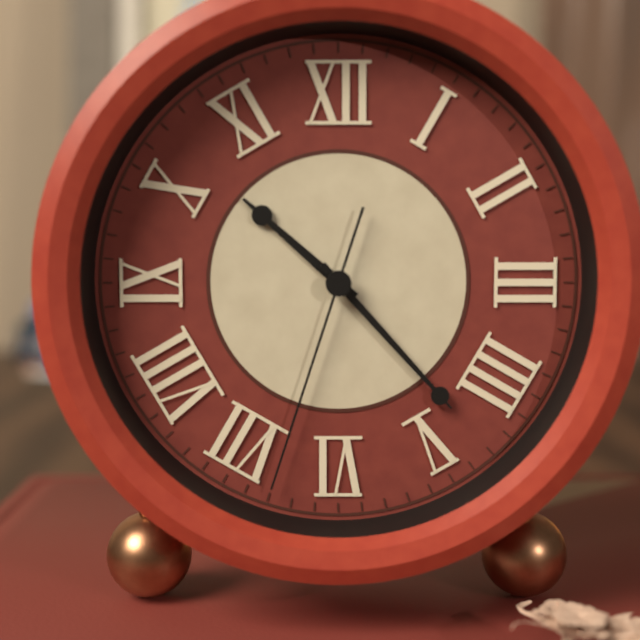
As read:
{"hour": 10, "minute": 23, "second": 33}
